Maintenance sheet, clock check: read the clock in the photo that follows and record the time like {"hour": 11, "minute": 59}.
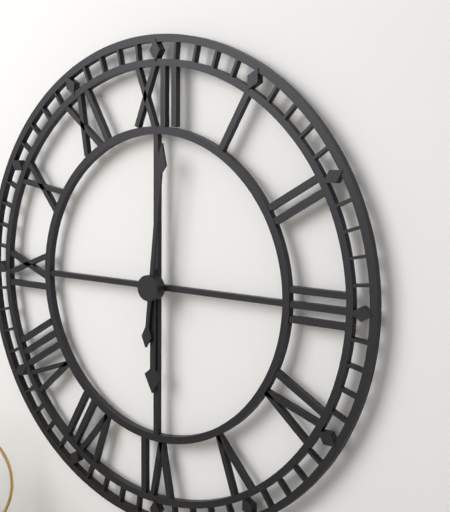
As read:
{"hour": 6, "minute": 1}
